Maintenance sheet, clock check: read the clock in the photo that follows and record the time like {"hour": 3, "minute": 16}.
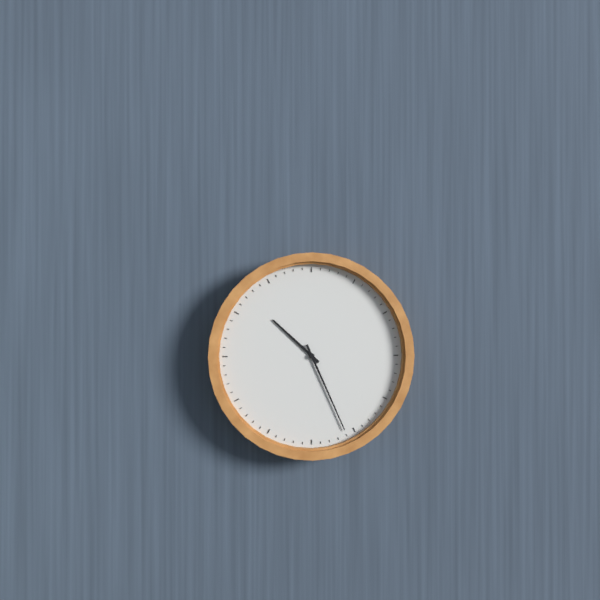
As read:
{"hour": 10, "minute": 26}
